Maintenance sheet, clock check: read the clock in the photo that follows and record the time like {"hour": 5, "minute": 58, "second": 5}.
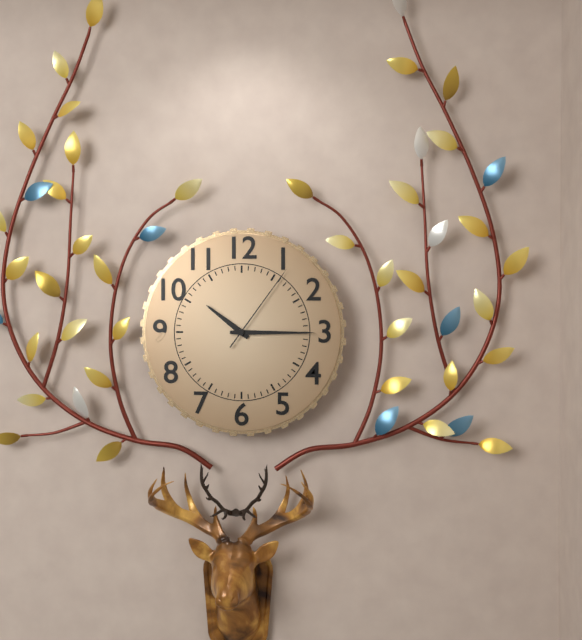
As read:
{"hour": 10, "minute": 15, "second": 6}
